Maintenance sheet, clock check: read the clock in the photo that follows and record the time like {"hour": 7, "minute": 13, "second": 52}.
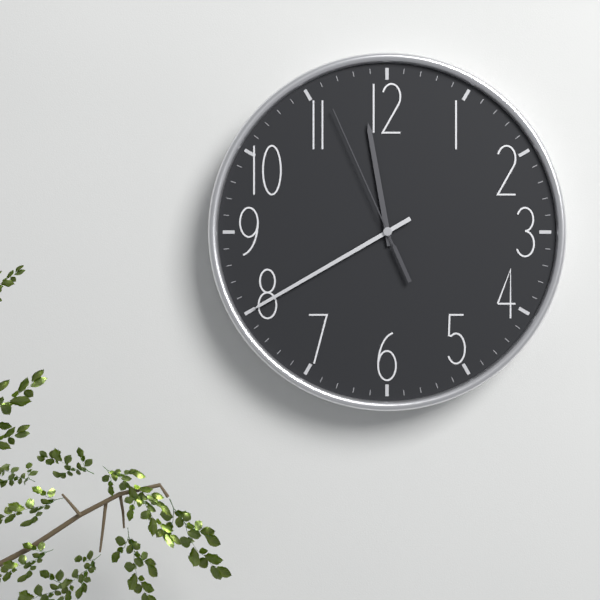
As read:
{"hour": 11, "minute": 40, "second": 56}
